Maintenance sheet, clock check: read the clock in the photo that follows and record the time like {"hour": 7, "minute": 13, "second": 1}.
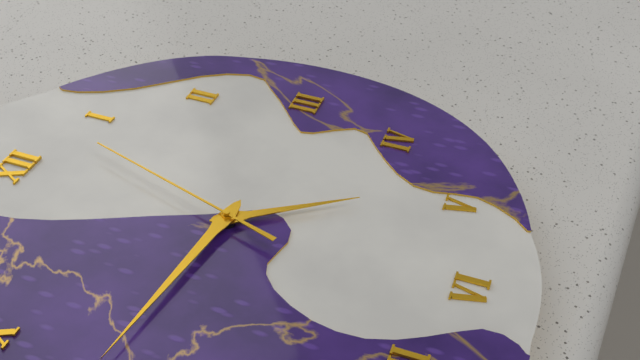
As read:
{"hour": 4, "minute": 46, "second": 3}
